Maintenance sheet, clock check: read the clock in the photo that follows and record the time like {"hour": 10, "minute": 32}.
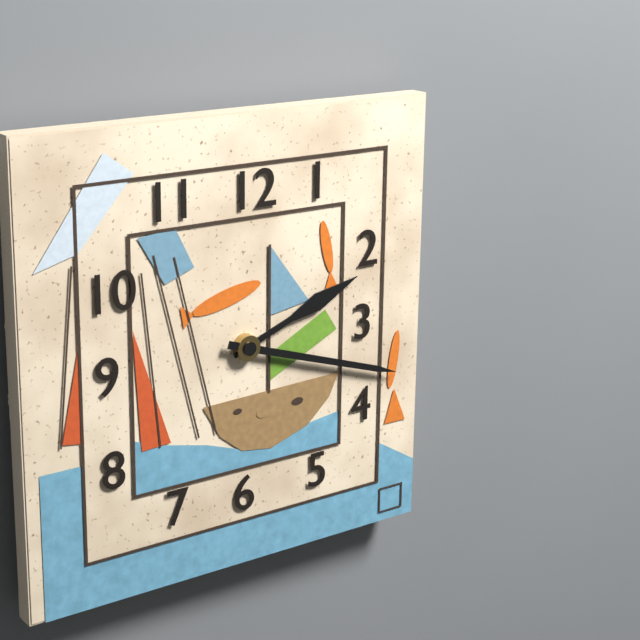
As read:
{"hour": 2, "minute": 18}
